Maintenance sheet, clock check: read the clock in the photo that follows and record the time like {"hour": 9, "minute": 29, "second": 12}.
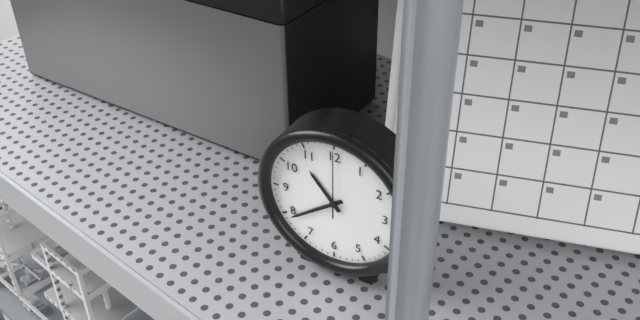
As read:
{"hour": 10, "minute": 39, "second": 0}
